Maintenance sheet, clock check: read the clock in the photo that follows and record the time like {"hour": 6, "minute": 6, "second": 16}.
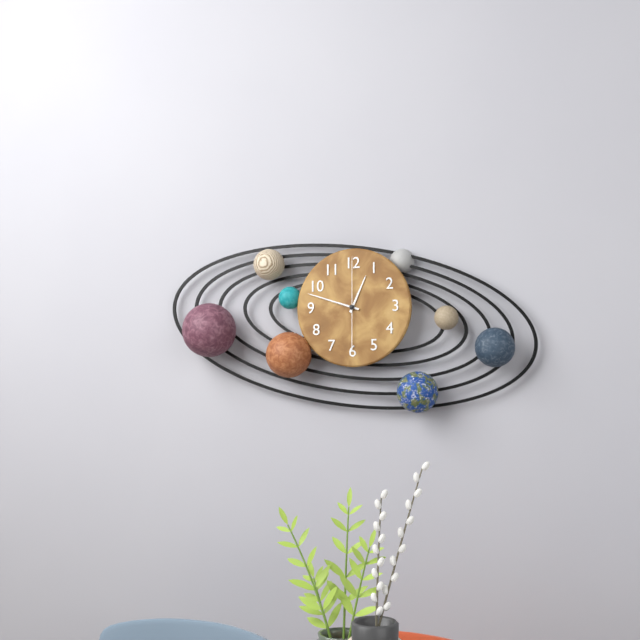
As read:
{"hour": 12, "minute": 48, "second": 0}
